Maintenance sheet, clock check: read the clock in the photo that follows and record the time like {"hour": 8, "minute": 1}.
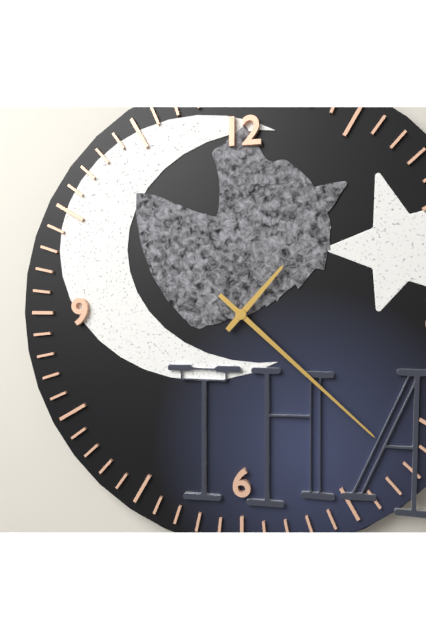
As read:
{"hour": 1, "minute": 22}
